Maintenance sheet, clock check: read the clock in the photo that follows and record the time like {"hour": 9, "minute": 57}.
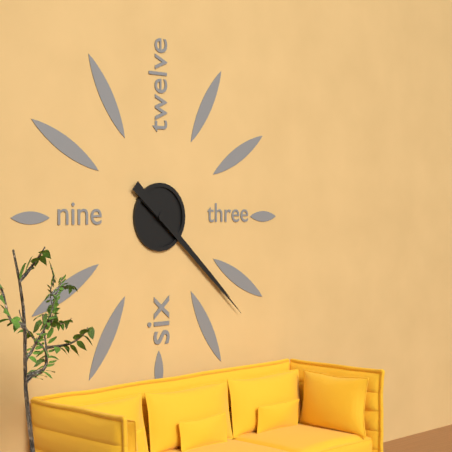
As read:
{"hour": 4, "minute": 22}
